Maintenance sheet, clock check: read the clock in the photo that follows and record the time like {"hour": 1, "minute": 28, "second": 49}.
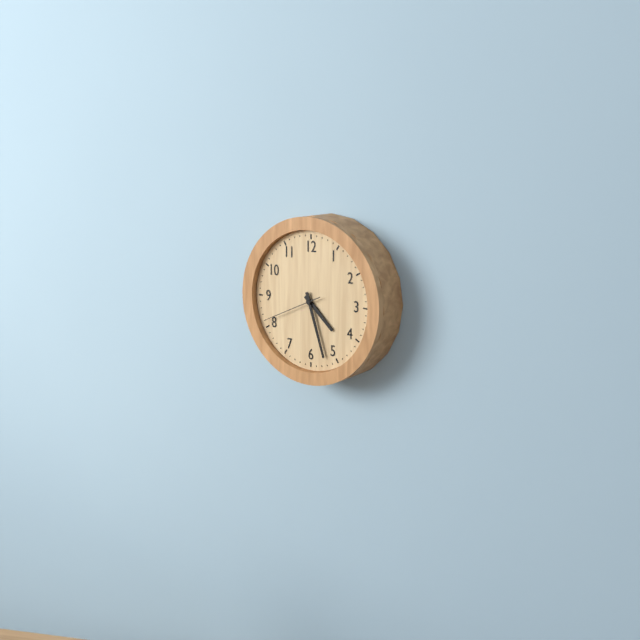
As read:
{"hour": 4, "minute": 27, "second": 41}
